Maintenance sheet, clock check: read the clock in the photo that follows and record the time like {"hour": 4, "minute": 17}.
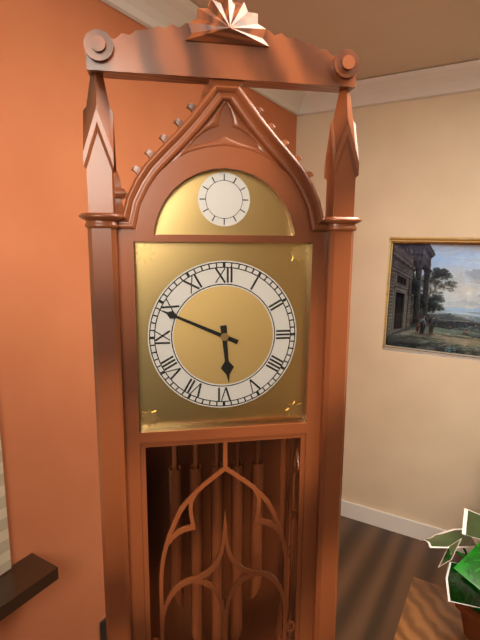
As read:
{"hour": 5, "minute": 49}
